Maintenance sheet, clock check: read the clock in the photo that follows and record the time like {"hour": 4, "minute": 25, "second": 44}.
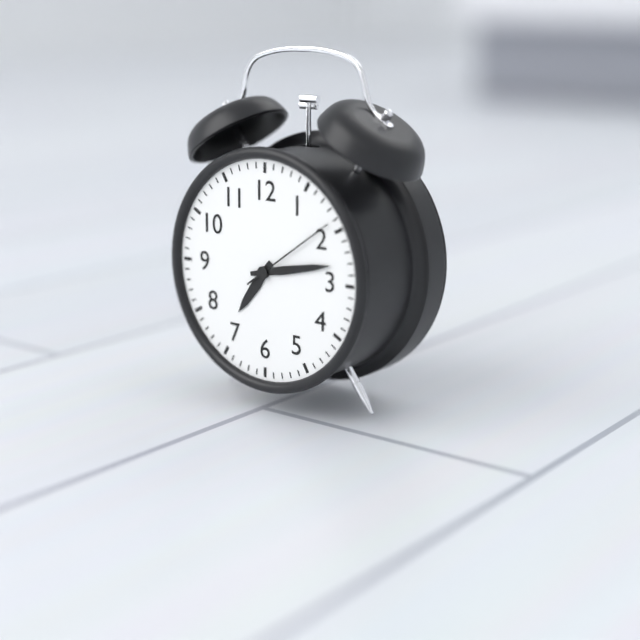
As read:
{"hour": 7, "minute": 13, "second": 9}
